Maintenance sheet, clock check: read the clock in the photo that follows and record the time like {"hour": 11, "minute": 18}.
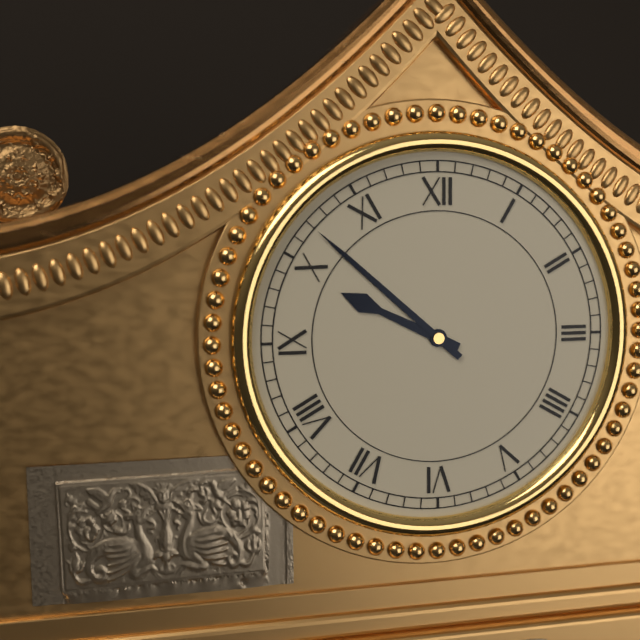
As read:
{"hour": 9, "minute": 52}
